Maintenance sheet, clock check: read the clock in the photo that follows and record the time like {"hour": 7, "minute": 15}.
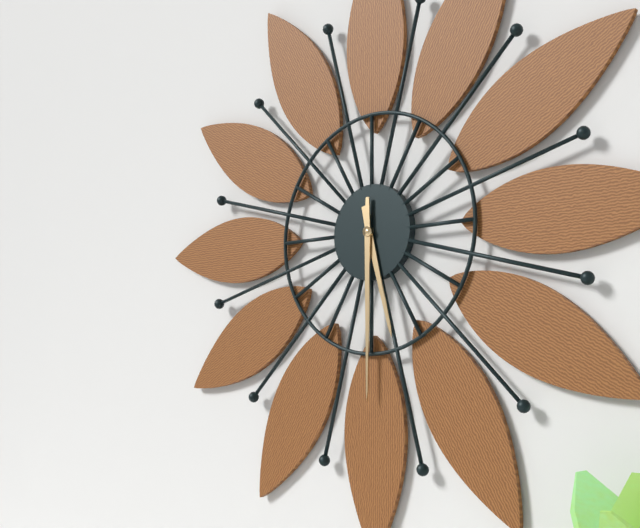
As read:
{"hour": 5, "minute": 30}
